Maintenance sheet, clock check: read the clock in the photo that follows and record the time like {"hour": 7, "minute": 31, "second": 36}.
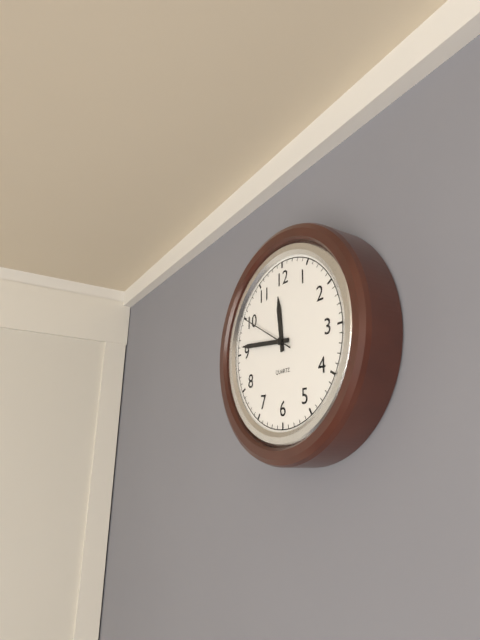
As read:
{"hour": 11, "minute": 46, "second": 50}
